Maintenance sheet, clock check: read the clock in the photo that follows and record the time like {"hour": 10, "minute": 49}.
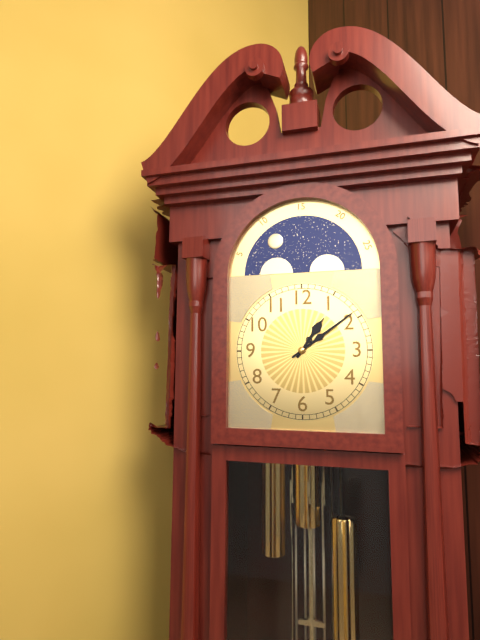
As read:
{"hour": 1, "minute": 9}
